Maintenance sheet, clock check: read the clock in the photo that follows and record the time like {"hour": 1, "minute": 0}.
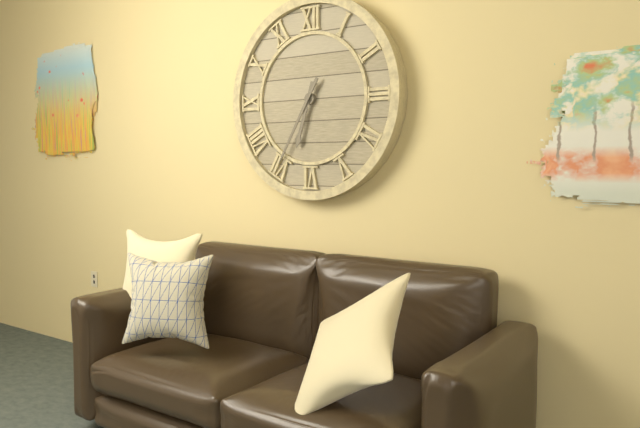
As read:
{"hour": 6, "minute": 35}
